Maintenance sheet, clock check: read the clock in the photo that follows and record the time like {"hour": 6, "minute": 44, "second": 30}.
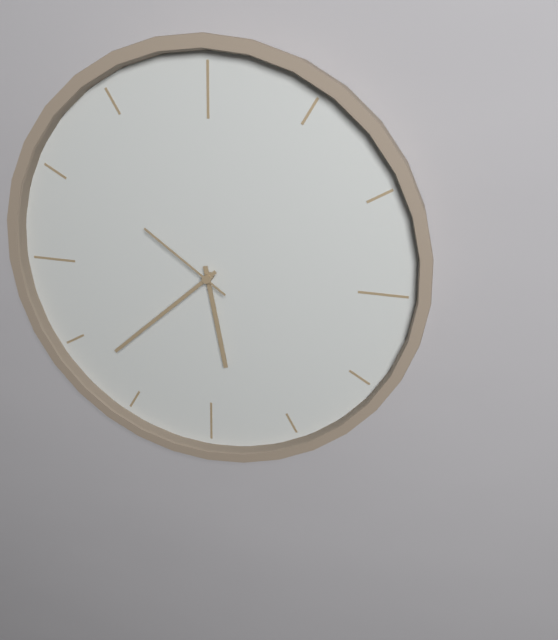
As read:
{"hour": 5, "minute": 38, "second": 51}
